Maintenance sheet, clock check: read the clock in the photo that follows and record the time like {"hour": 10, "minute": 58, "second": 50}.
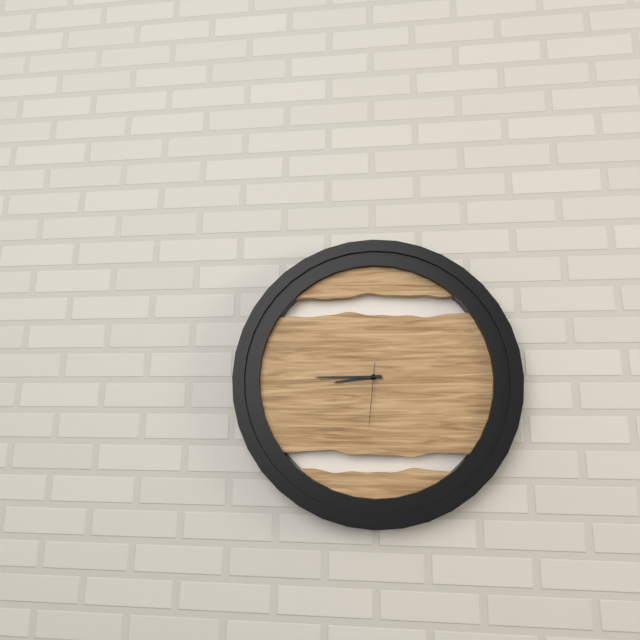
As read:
{"hour": 8, "minute": 45, "second": 31}
